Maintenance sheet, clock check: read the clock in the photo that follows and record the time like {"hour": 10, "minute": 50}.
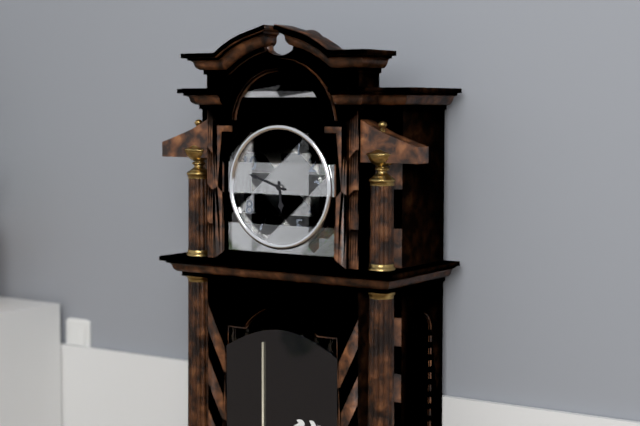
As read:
{"hour": 5, "minute": 48}
